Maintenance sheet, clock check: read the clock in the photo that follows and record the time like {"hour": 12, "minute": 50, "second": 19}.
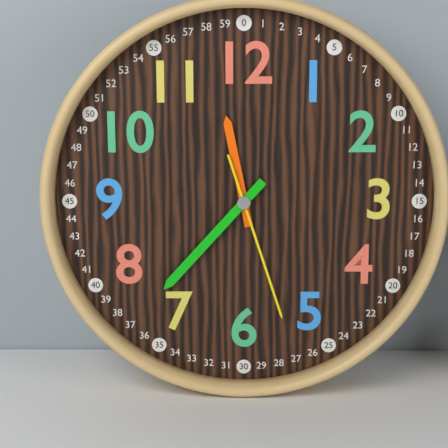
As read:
{"hour": 11, "minute": 37, "second": 27}
